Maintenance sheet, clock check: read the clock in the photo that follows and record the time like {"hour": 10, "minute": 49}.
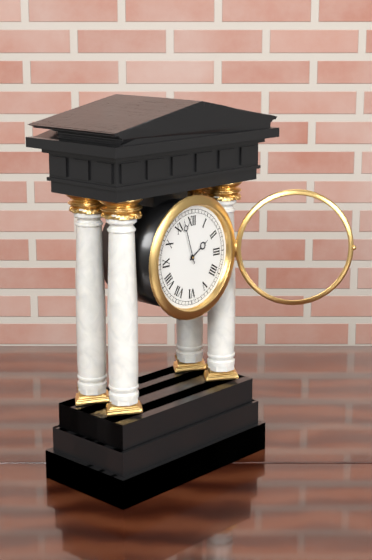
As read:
{"hour": 1, "minute": 57}
